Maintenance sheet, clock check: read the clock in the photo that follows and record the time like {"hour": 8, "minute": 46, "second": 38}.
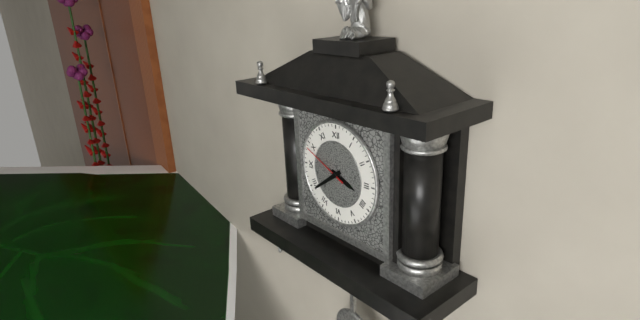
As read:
{"hour": 3, "minute": 39, "second": 49}
